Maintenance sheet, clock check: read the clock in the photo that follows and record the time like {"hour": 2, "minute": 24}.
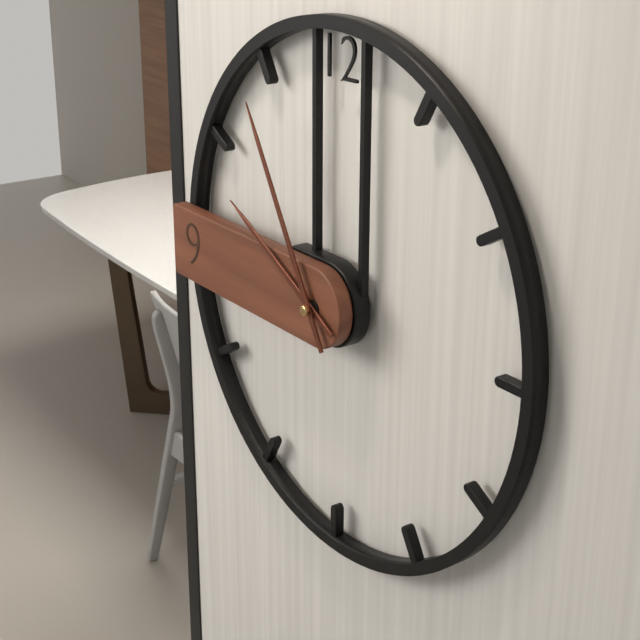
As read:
{"hour": 9, "minute": 55}
